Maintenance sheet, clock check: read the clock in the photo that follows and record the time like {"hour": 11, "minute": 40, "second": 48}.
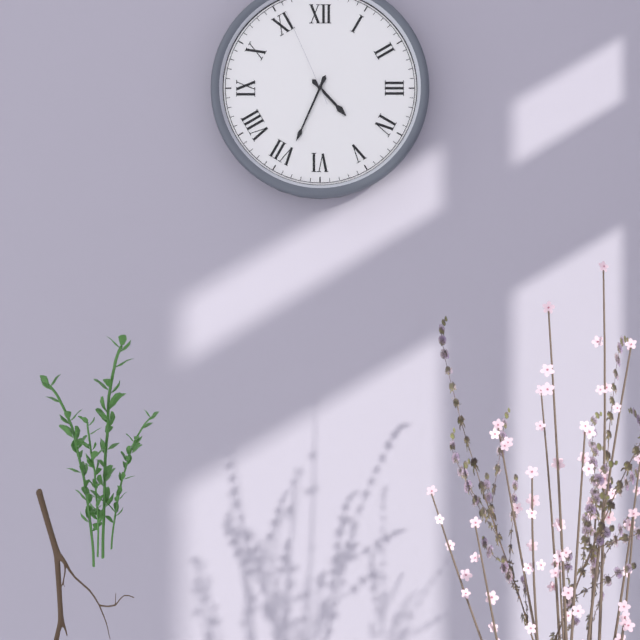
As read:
{"hour": 4, "minute": 34, "second": 56}
